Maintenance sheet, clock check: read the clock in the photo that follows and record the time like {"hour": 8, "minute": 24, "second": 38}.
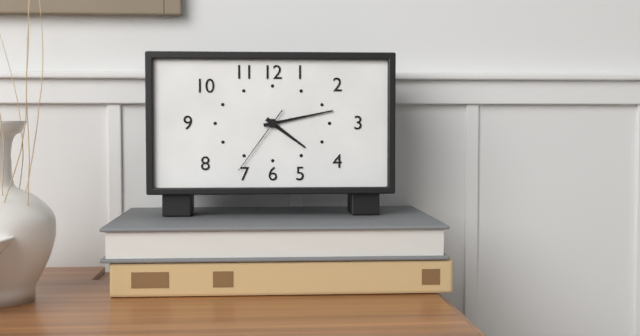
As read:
{"hour": 4, "minute": 13, "second": 36}
